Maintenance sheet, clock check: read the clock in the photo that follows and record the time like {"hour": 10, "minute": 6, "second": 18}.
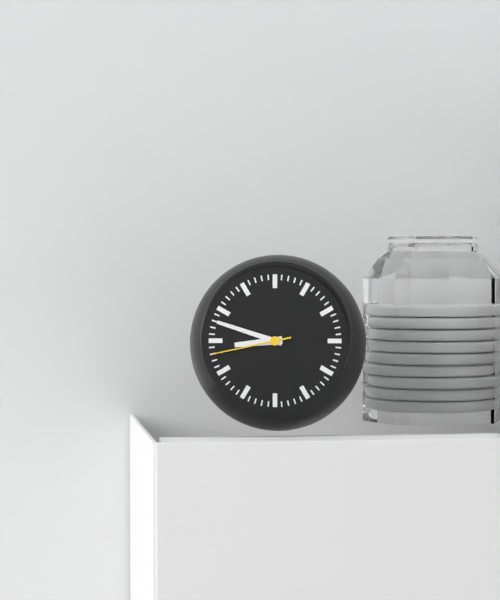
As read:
{"hour": 8, "minute": 48, "second": 43}
